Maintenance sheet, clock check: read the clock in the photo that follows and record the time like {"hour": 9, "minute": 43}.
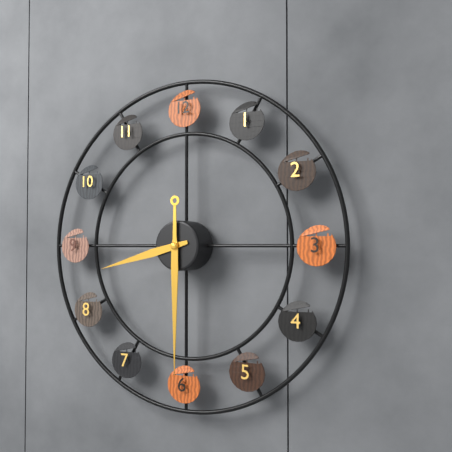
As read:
{"hour": 8, "minute": 30}
